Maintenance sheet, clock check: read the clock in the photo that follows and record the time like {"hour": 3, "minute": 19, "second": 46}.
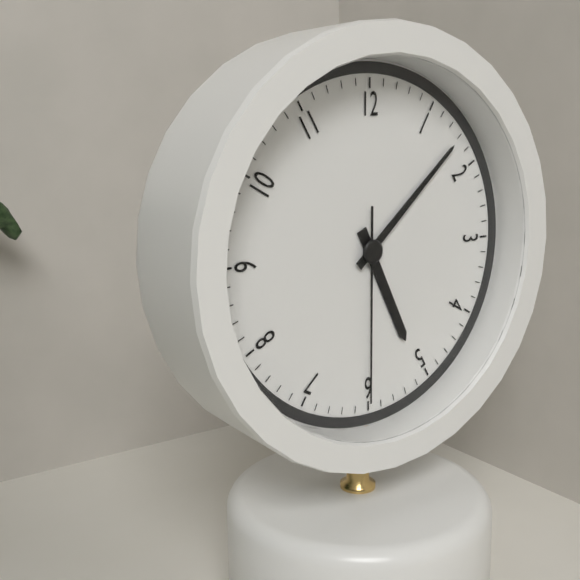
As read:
{"hour": 5, "minute": 8, "second": 30}
